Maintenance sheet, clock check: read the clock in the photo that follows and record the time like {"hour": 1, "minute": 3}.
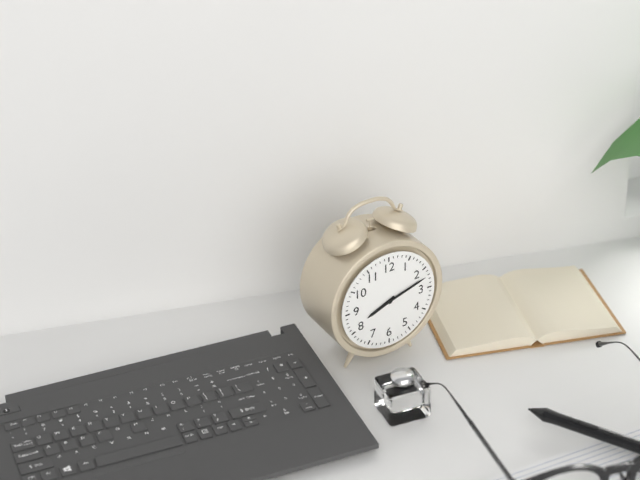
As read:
{"hour": 8, "minute": 12}
